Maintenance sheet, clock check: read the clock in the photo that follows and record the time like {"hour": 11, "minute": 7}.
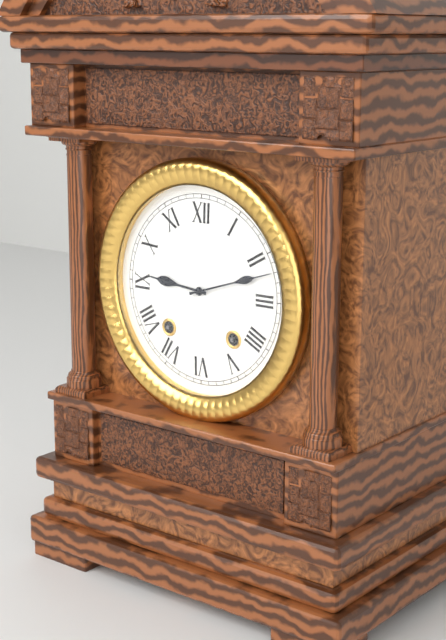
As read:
{"hour": 9, "minute": 12}
